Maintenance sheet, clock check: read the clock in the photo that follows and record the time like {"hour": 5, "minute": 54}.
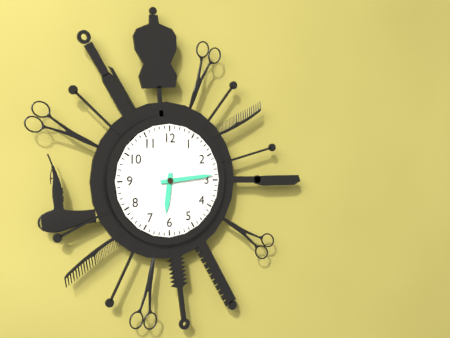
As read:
{"hour": 6, "minute": 14}
